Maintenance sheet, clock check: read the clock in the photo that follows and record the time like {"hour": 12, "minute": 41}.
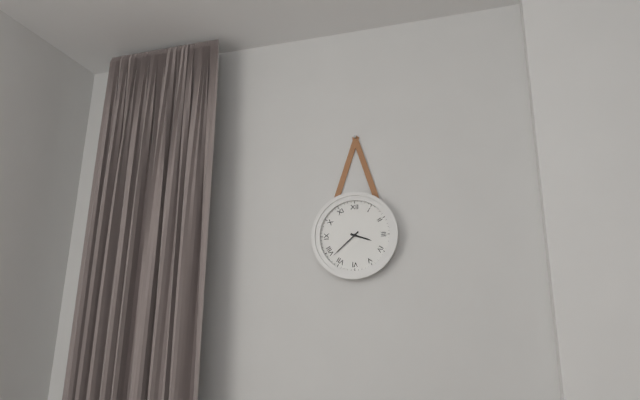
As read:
{"hour": 3, "minute": 38}
